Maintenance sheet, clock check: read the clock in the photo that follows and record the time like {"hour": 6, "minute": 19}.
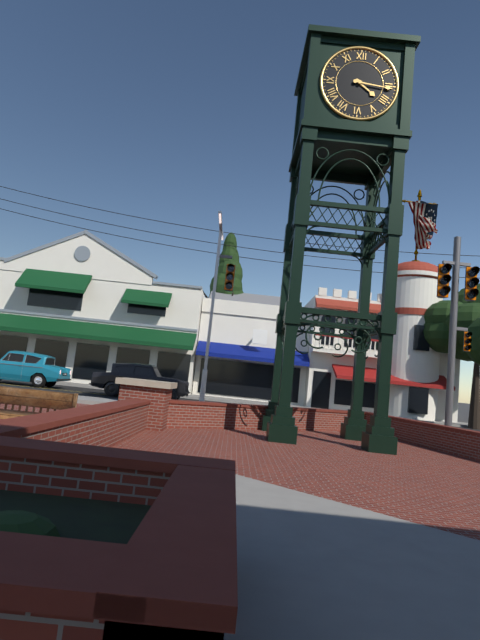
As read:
{"hour": 4, "minute": 16}
